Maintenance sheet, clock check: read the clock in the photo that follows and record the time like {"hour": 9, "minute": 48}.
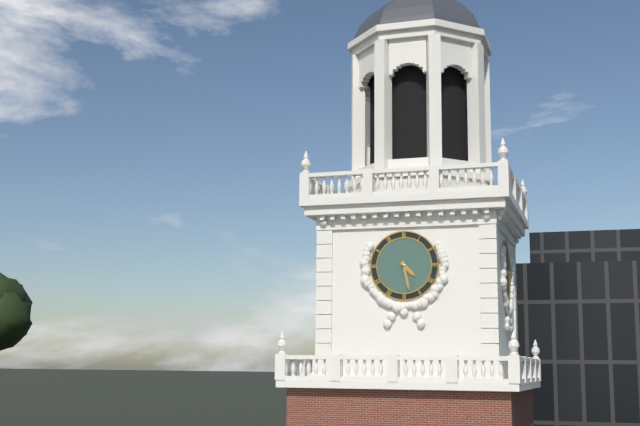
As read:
{"hour": 4, "minute": 28}
